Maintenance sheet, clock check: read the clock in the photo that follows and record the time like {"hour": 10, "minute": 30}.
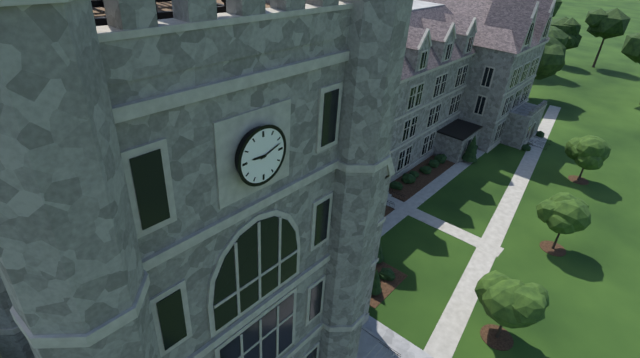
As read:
{"hour": 9, "minute": 12}
